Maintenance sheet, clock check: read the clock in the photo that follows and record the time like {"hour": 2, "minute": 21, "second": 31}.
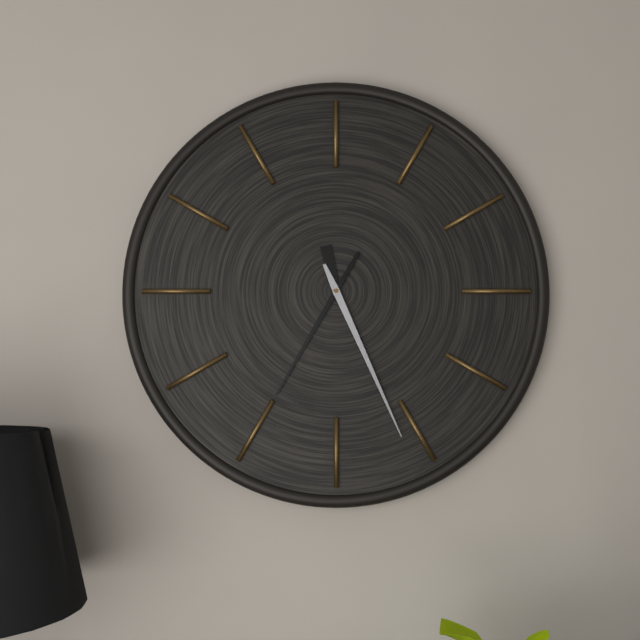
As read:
{"hour": 11, "minute": 35, "second": 26}
